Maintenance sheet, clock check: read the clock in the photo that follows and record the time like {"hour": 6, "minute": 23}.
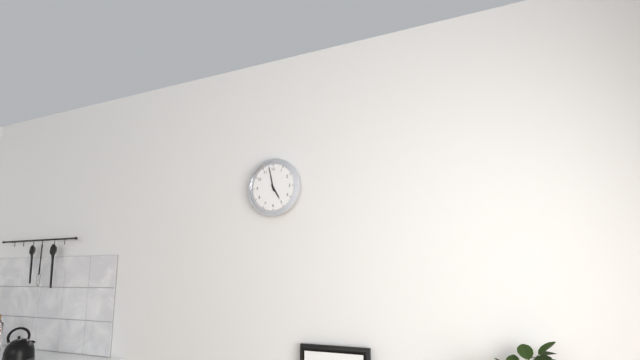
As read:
{"hour": 4, "minute": 58}
